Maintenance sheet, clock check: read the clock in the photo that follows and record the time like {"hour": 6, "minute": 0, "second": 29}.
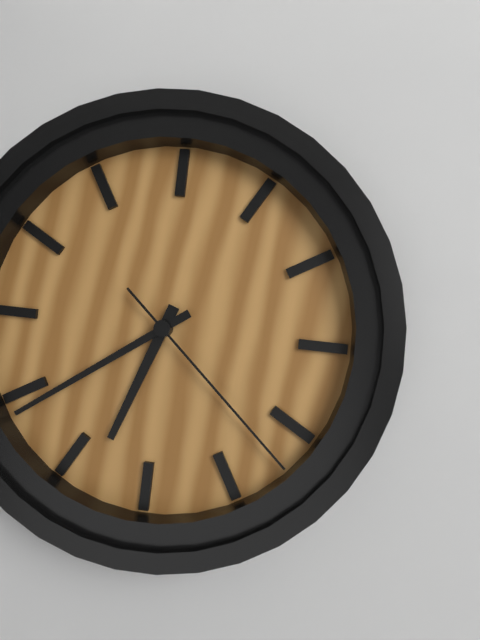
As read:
{"hour": 6, "minute": 39, "second": 22}
